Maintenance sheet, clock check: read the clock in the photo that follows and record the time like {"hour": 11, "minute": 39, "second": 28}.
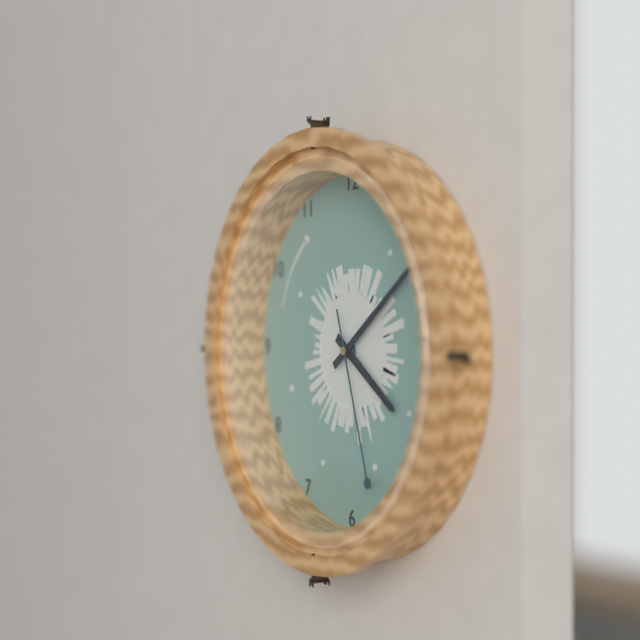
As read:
{"hour": 4, "minute": 9, "second": 27}
